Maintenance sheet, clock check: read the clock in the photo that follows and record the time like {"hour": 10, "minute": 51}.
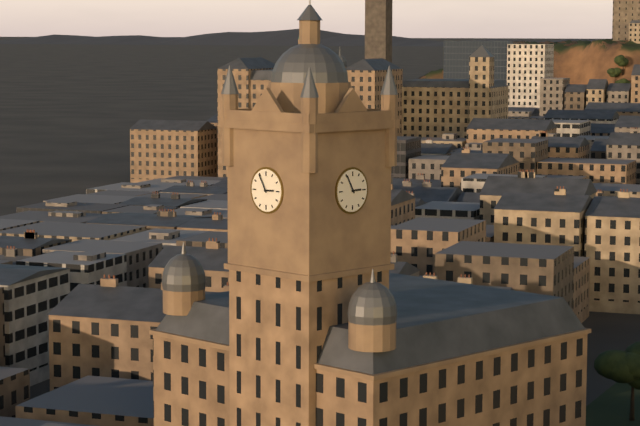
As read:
{"hour": 2, "minute": 55}
